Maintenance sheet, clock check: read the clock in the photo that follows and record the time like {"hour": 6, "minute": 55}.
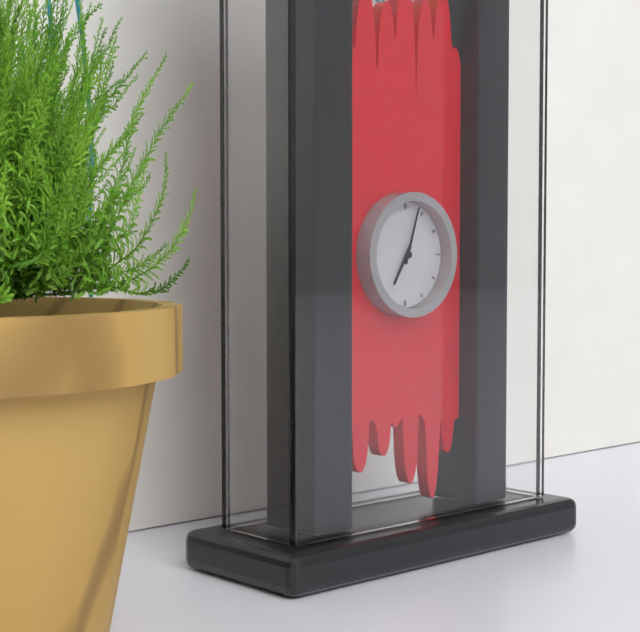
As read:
{"hour": 7, "minute": 3}
